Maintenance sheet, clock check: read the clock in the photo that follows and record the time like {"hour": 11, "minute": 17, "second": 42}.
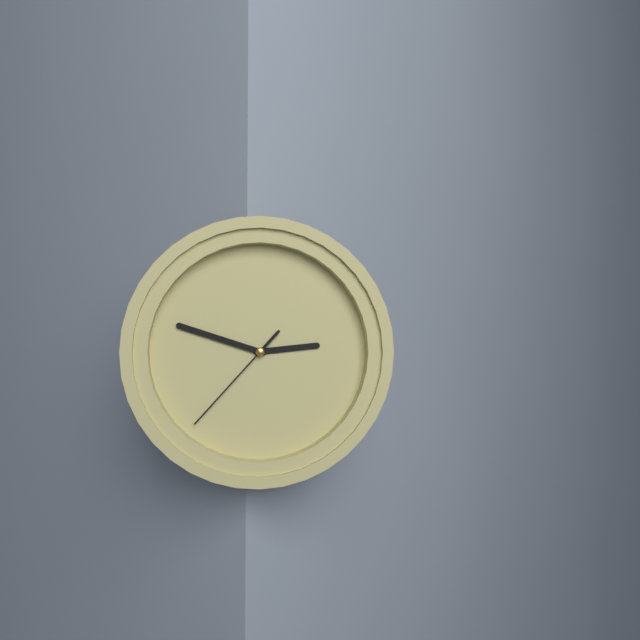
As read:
{"hour": 2, "minute": 48, "second": 37}
